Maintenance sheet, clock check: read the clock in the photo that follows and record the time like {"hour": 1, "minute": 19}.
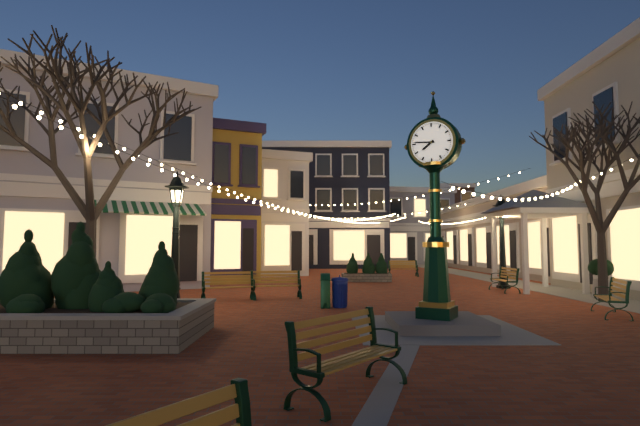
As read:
{"hour": 7, "minute": 46}
